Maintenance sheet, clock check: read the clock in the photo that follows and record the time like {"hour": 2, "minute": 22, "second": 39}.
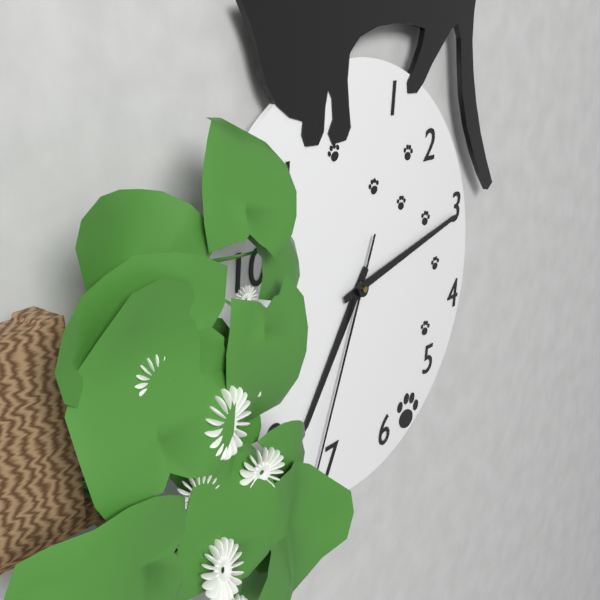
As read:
{"hour": 7, "minute": 13, "second": 34}
